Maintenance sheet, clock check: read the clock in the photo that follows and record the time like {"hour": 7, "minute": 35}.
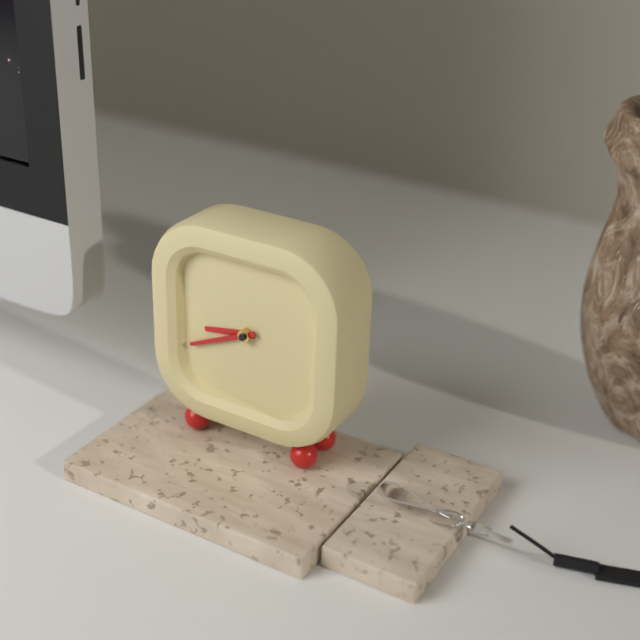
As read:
{"hour": 8, "minute": 41}
